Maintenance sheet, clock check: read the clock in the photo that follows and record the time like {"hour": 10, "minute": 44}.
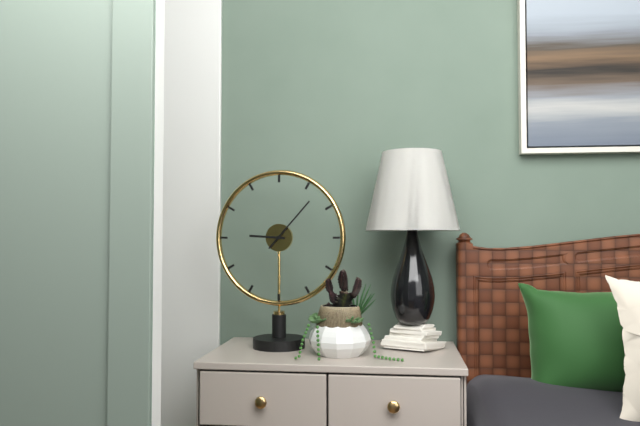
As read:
{"hour": 9, "minute": 7}
